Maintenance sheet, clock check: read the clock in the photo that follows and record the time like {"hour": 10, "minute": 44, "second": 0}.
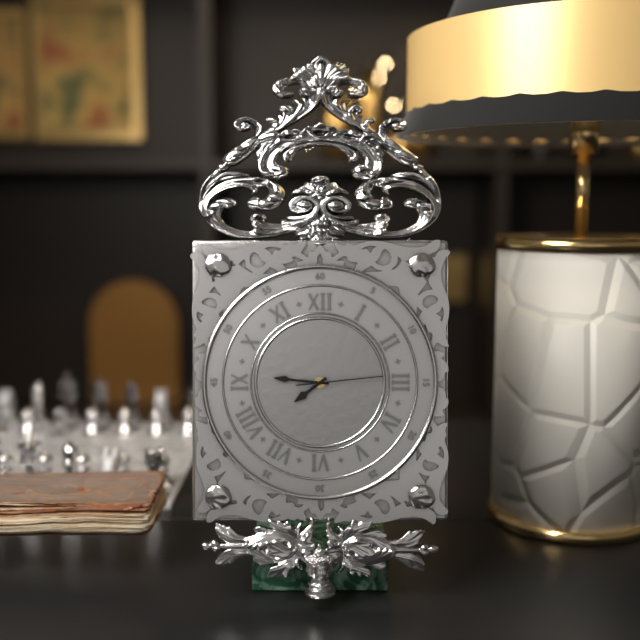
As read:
{"hour": 7, "minute": 46, "second": 14}
